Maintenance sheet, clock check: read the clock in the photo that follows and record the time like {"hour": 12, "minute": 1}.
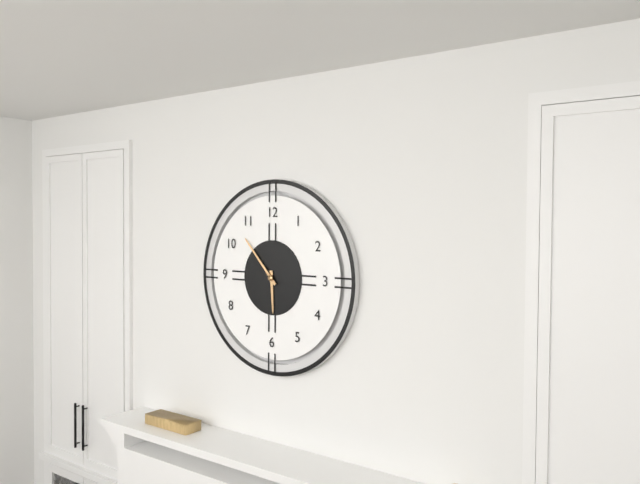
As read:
{"hour": 5, "minute": 53}
